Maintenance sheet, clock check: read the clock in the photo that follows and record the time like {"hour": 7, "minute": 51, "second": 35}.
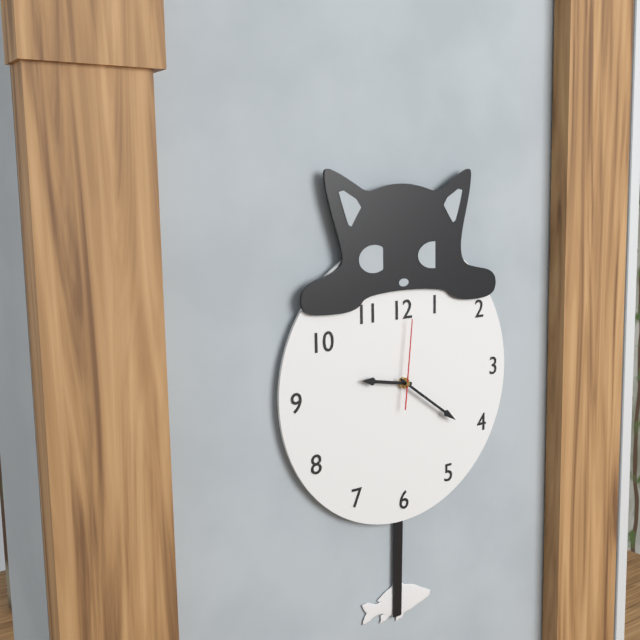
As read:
{"hour": 9, "minute": 21, "second": 1}
